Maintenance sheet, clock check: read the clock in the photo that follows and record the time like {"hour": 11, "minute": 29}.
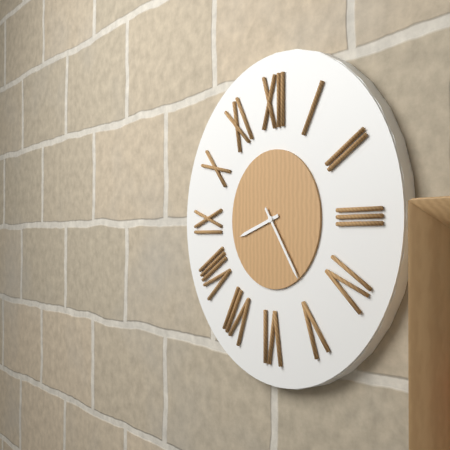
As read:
{"hour": 8, "minute": 24}
